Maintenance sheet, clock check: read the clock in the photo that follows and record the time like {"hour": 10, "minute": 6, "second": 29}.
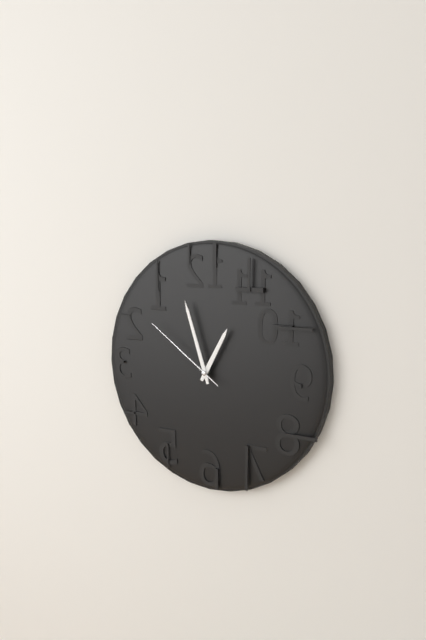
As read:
{"hour": 12, "minute": 57, "second": 51}
